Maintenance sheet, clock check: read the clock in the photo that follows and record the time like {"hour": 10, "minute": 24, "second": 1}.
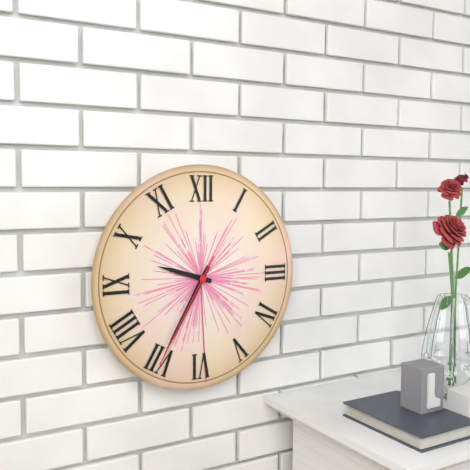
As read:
{"hour": 9, "minute": 35, "second": 35}
